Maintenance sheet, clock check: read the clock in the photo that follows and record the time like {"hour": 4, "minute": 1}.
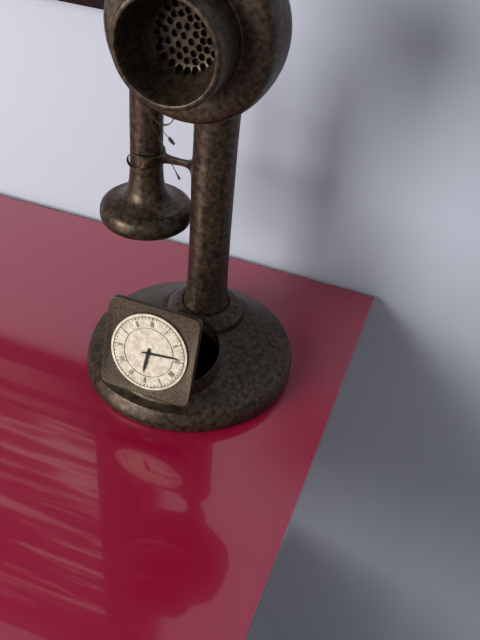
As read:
{"hour": 6, "minute": 14}
